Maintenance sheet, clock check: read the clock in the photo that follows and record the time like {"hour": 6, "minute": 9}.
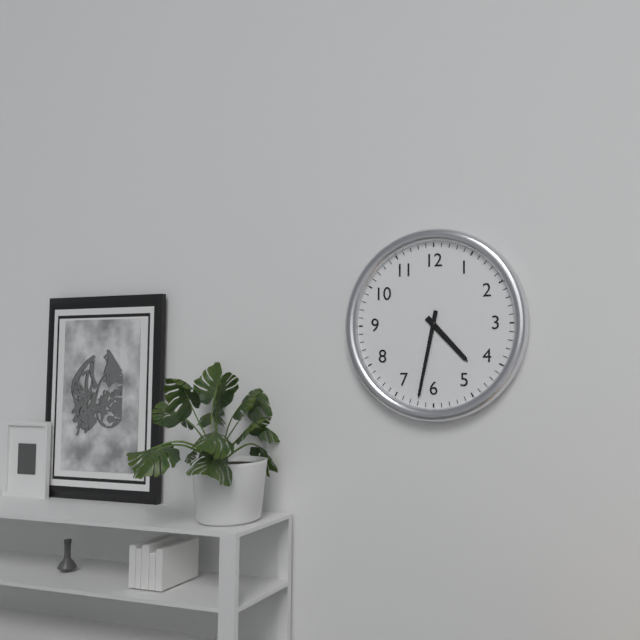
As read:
{"hour": 4, "minute": 32}
